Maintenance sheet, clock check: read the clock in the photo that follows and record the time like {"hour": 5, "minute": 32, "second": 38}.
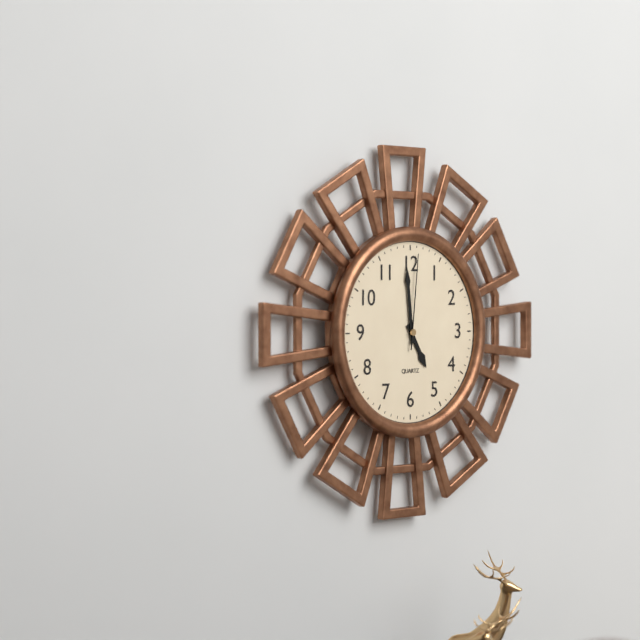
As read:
{"hour": 4, "minute": 59, "second": 1}
